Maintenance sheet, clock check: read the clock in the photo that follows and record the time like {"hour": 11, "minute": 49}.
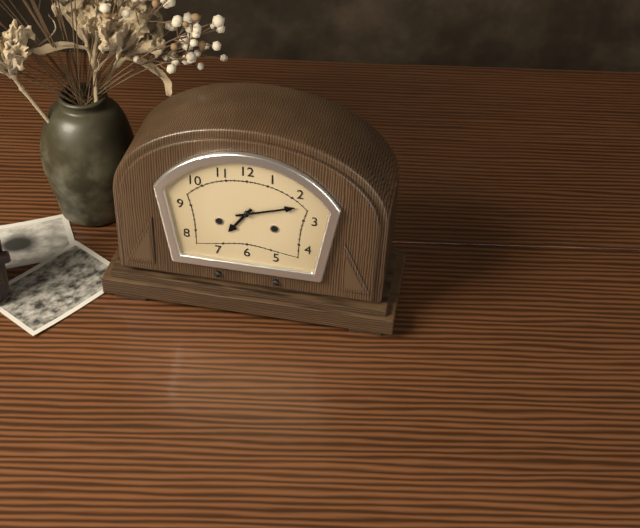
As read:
{"hour": 7, "minute": 12}
